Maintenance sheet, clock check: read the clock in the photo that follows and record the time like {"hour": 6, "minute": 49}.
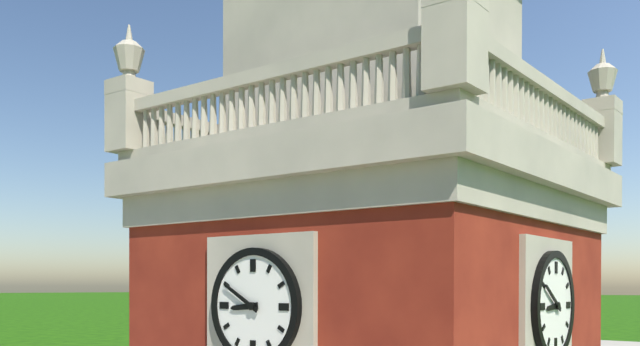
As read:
{"hour": 8, "minute": 50}
